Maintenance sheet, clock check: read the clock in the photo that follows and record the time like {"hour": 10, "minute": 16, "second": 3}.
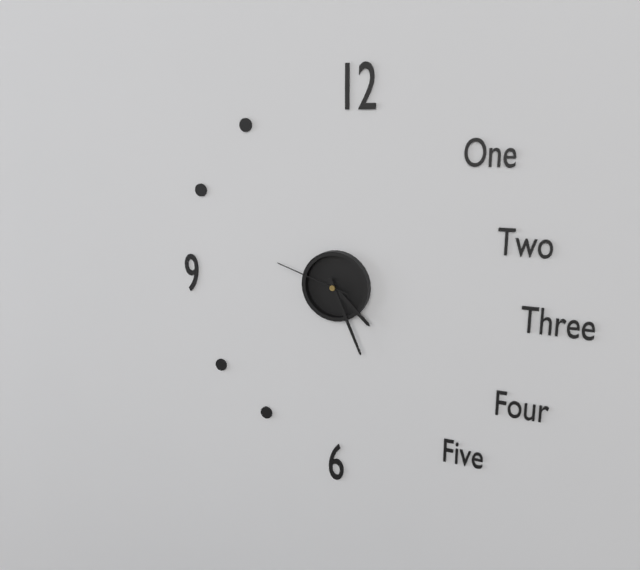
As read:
{"hour": 4, "minute": 26, "second": 48}
